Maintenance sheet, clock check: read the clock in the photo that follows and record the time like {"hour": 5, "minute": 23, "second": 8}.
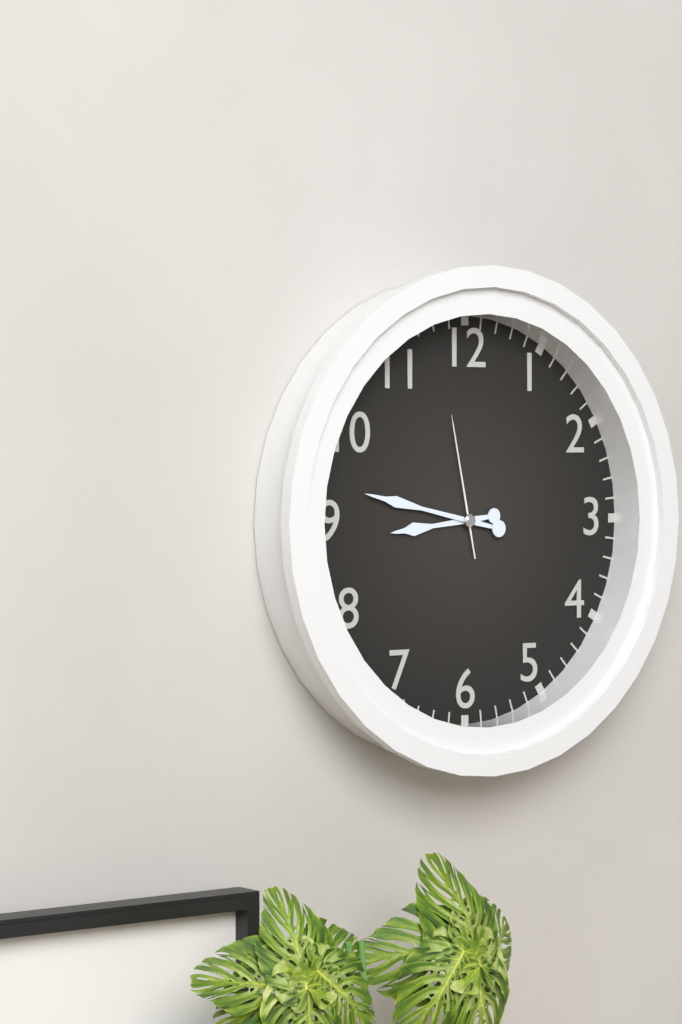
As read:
{"hour": 8, "minute": 47, "second": 58}
